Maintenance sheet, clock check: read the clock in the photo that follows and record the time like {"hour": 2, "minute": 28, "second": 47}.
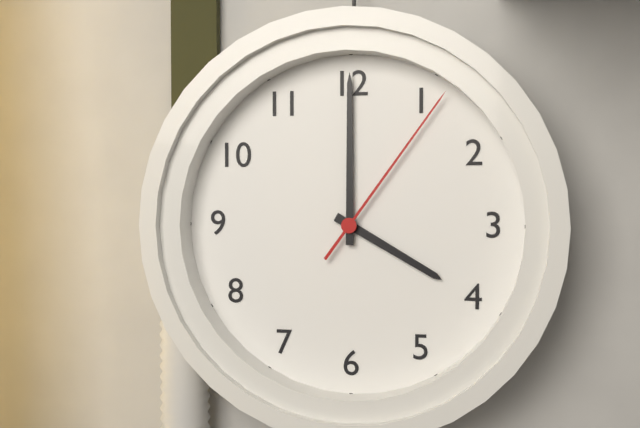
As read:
{"hour": 4, "minute": 0, "second": 6}
